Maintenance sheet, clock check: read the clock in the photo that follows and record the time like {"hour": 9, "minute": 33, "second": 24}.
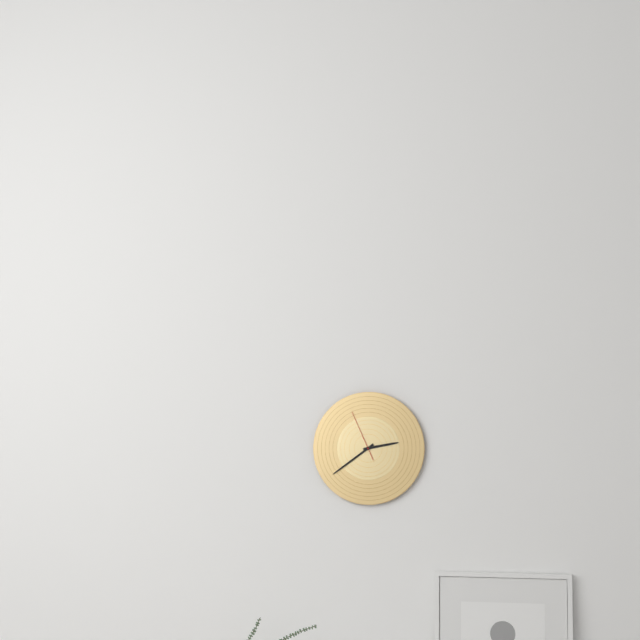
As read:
{"hour": 2, "minute": 39, "second": 56}
